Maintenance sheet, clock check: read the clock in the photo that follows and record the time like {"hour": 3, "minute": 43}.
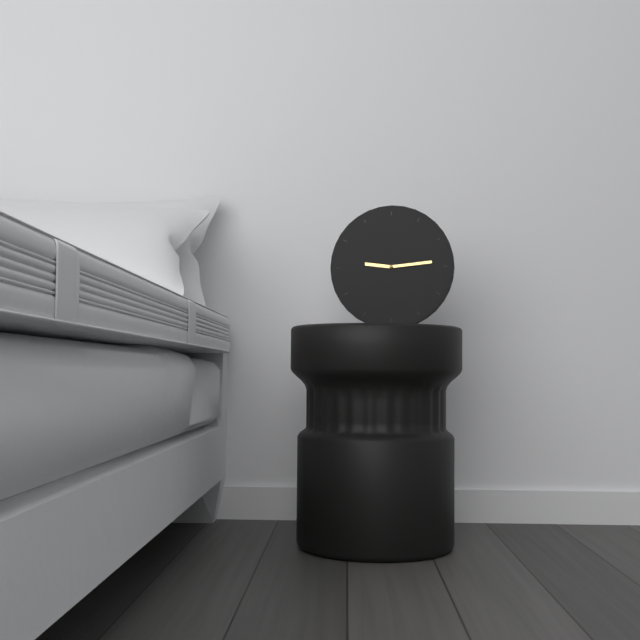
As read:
{"hour": 9, "minute": 14}
